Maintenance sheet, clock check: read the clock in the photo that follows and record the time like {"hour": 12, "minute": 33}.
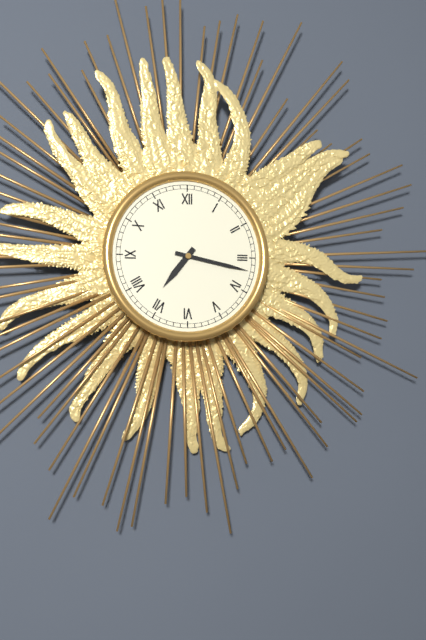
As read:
{"hour": 7, "minute": 17}
